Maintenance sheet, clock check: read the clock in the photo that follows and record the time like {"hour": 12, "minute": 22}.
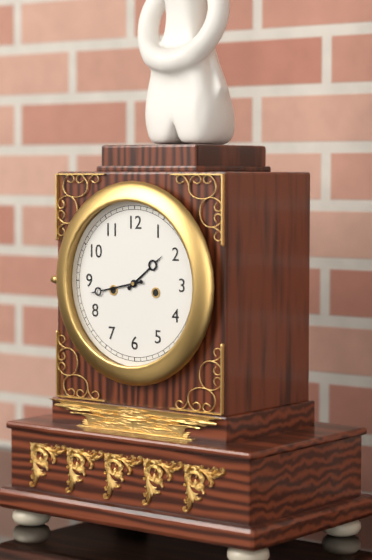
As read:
{"hour": 1, "minute": 43}
